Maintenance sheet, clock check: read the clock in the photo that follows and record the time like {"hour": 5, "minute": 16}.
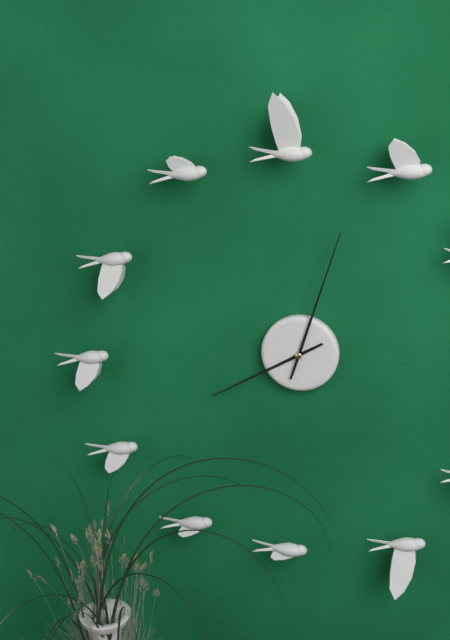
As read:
{"hour": 8, "minute": 3}
